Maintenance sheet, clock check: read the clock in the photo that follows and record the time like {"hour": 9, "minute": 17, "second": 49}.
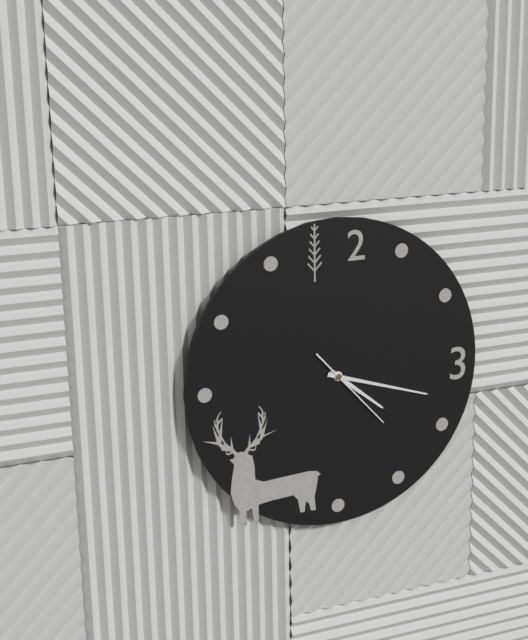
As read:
{"hour": 4, "minute": 18, "second": 23}
